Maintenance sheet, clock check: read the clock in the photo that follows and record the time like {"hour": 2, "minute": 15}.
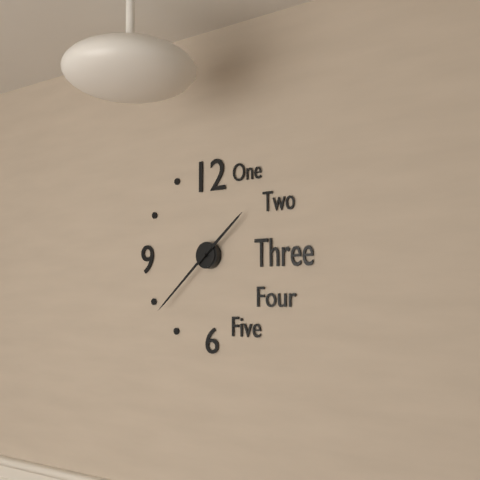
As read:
{"hour": 1, "minute": 38}
